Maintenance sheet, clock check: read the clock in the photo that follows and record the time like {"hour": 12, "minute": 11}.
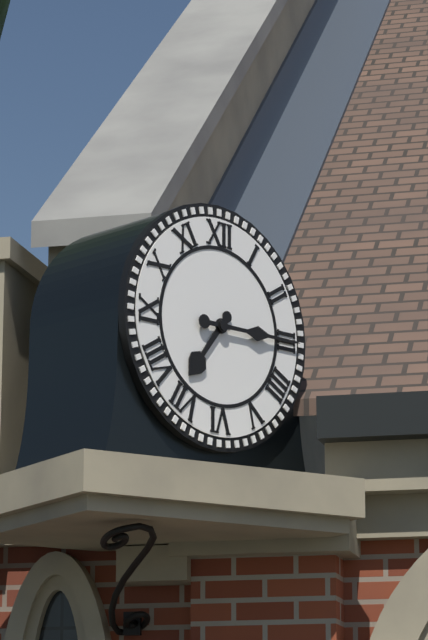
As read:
{"hour": 7, "minute": 15}
